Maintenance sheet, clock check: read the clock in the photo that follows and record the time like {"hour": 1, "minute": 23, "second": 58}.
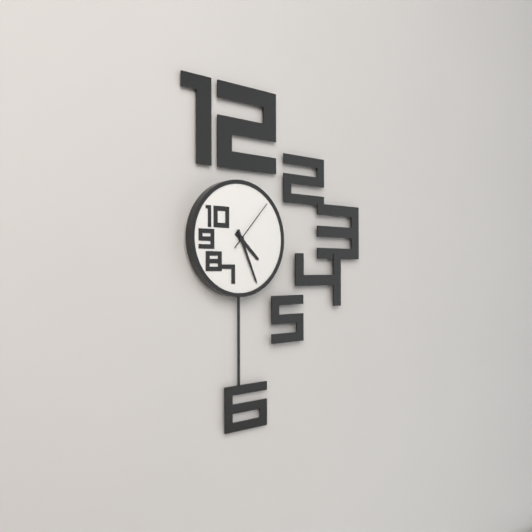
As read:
{"hour": 4, "minute": 26, "second": 7}
